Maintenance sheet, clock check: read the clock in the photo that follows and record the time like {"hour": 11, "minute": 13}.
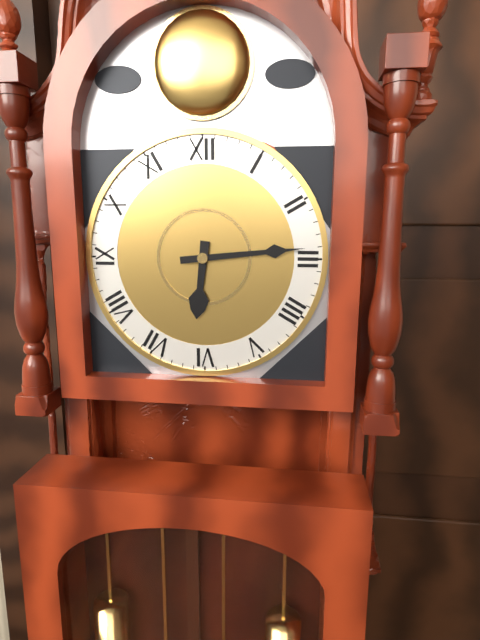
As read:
{"hour": 6, "minute": 14}
